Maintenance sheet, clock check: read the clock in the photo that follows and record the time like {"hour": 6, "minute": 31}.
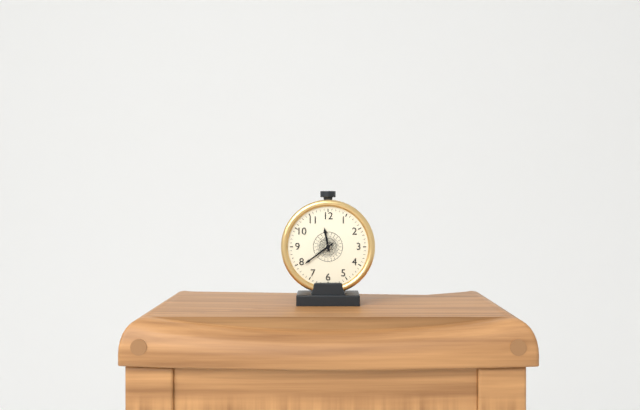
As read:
{"hour": 11, "minute": 39}
